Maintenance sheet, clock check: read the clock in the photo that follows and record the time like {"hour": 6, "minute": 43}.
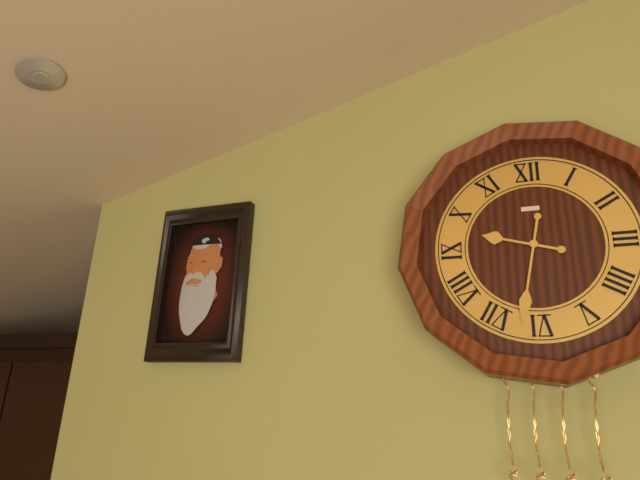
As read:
{"hour": 9, "minute": 32}
